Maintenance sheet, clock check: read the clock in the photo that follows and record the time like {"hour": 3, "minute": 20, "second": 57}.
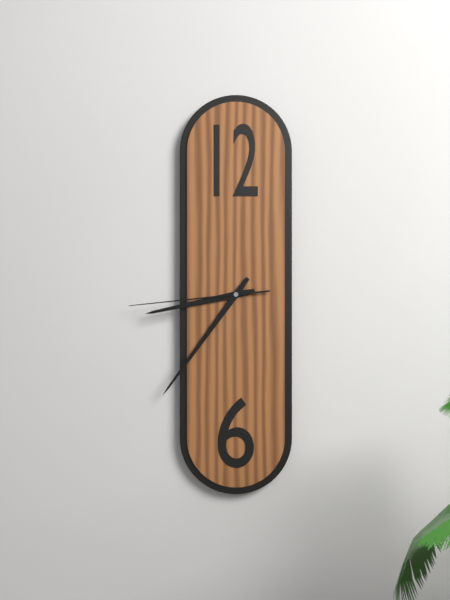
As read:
{"hour": 8, "minute": 36, "second": 44}
